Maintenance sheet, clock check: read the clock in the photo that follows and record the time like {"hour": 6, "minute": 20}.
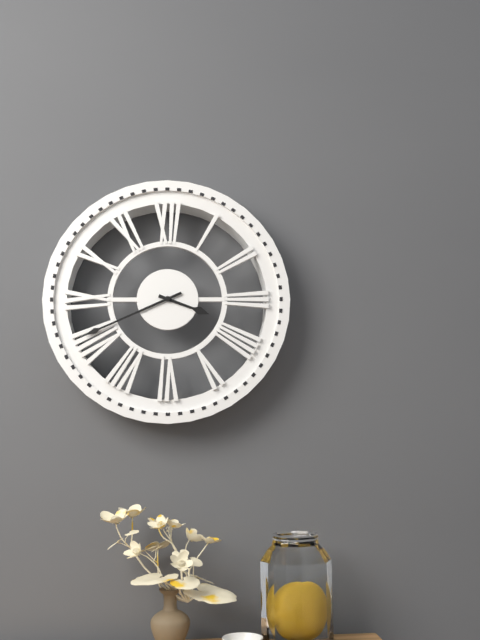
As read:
{"hour": 3, "minute": 41}
